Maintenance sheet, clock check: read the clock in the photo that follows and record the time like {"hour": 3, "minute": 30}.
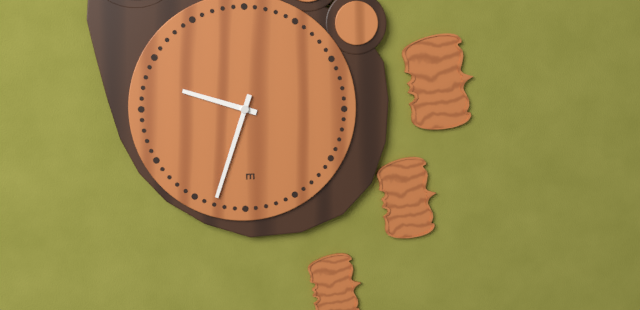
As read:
{"hour": 9, "minute": 33}
